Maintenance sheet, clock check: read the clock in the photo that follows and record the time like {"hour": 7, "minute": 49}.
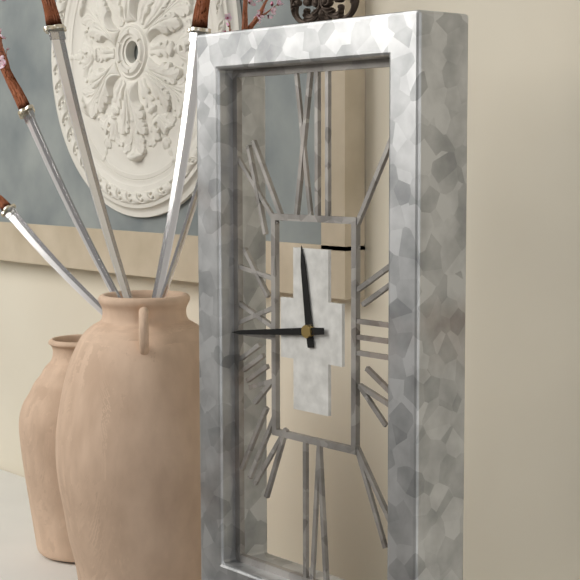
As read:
{"hour": 11, "minute": 44}
